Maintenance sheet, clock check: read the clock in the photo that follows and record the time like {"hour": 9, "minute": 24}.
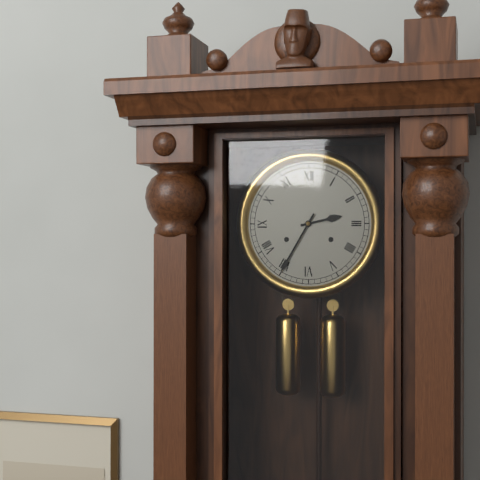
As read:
{"hour": 2, "minute": 35}
